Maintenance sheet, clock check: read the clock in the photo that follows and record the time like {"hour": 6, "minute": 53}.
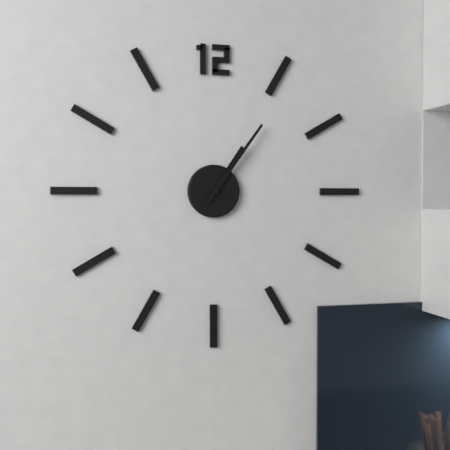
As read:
{"hour": 1, "minute": 6}
